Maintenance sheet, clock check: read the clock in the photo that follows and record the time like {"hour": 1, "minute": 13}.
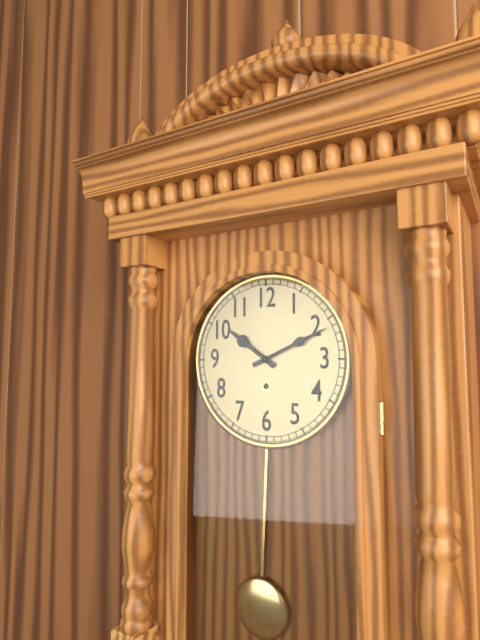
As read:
{"hour": 10, "minute": 11}
